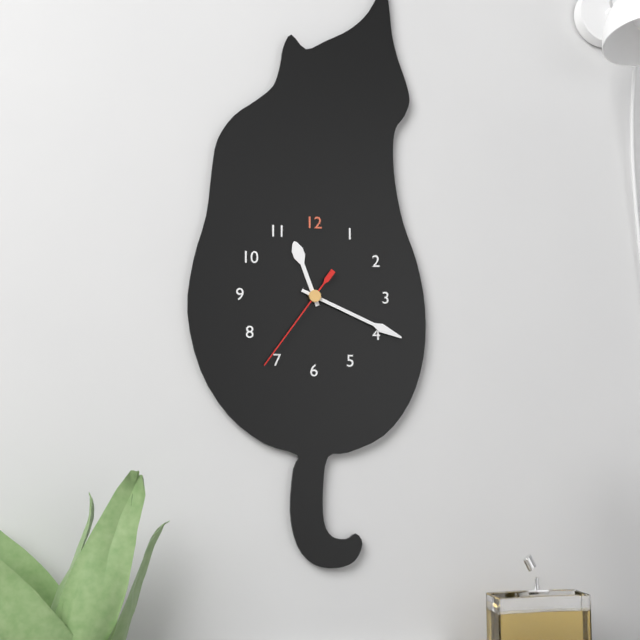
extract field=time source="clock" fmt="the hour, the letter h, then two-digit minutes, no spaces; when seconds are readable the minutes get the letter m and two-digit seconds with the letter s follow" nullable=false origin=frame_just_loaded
11h19m36s
